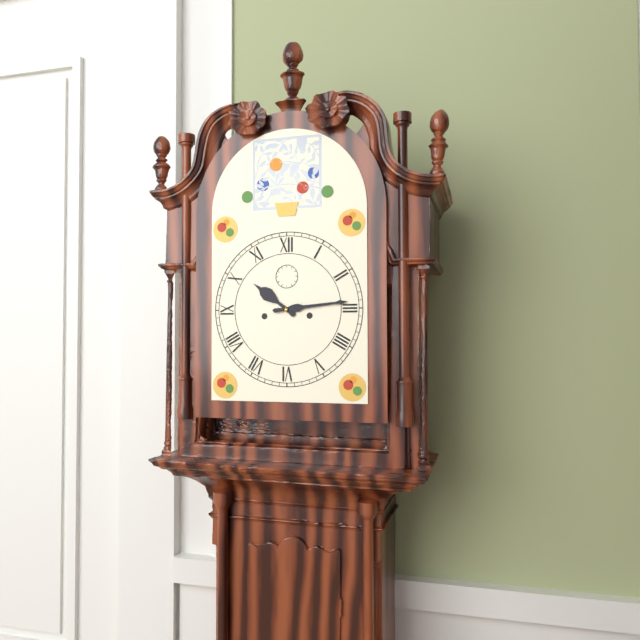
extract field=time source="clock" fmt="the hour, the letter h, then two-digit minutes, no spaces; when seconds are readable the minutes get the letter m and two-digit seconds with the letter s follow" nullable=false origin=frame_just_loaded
10h14
